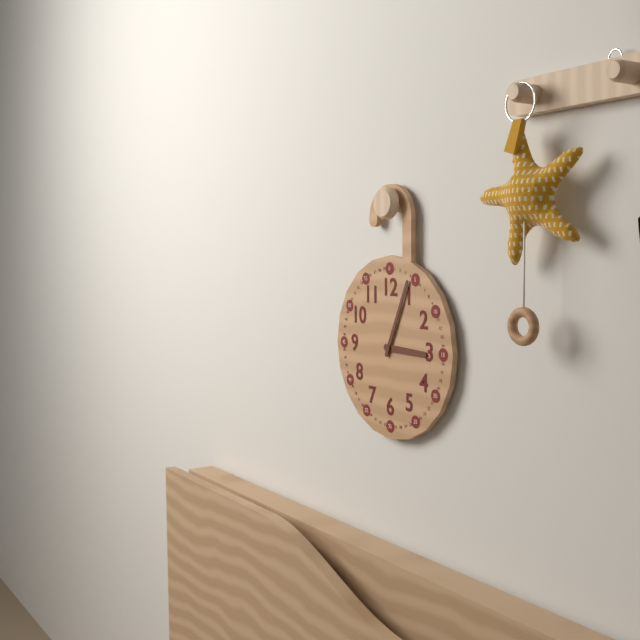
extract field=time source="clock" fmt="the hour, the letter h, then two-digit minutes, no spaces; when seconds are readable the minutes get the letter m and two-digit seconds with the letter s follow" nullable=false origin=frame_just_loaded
3h04
